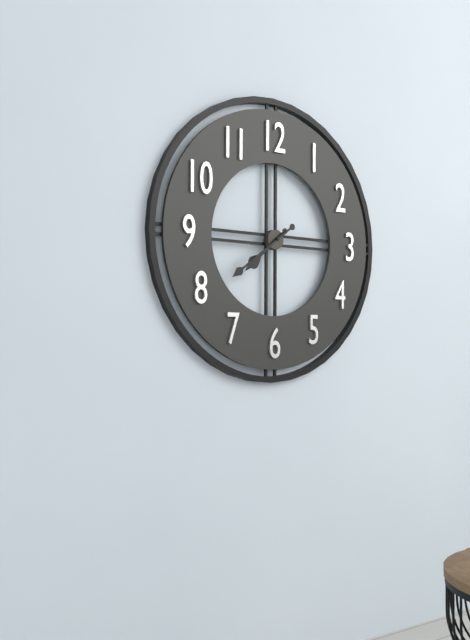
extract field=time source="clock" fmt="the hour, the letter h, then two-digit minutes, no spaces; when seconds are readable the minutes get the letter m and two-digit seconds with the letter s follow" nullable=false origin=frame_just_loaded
7h39
